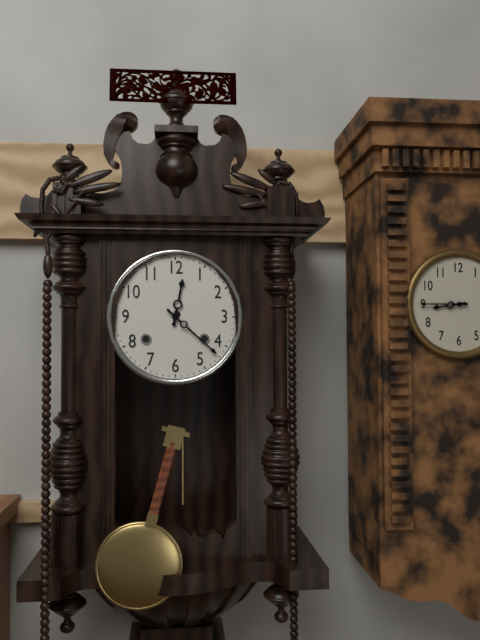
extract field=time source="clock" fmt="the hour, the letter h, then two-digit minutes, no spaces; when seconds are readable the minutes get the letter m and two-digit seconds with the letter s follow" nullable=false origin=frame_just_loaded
12h22
